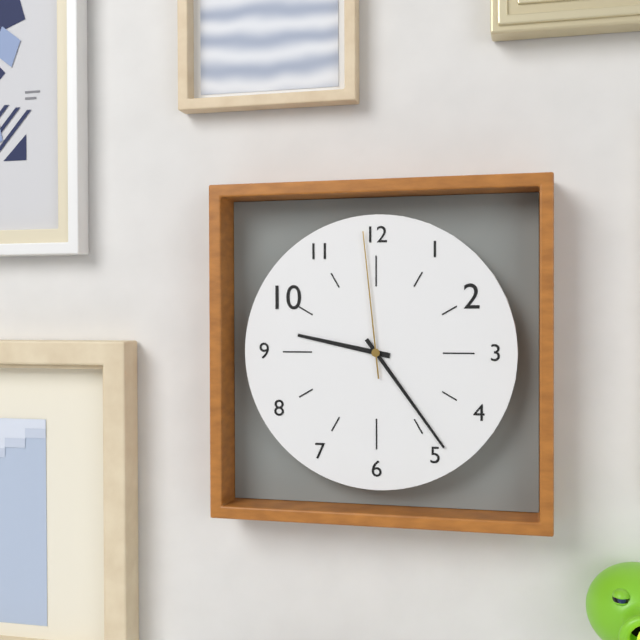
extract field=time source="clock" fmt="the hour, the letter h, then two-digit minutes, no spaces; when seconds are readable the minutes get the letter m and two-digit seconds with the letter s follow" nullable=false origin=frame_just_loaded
9h24m59s
